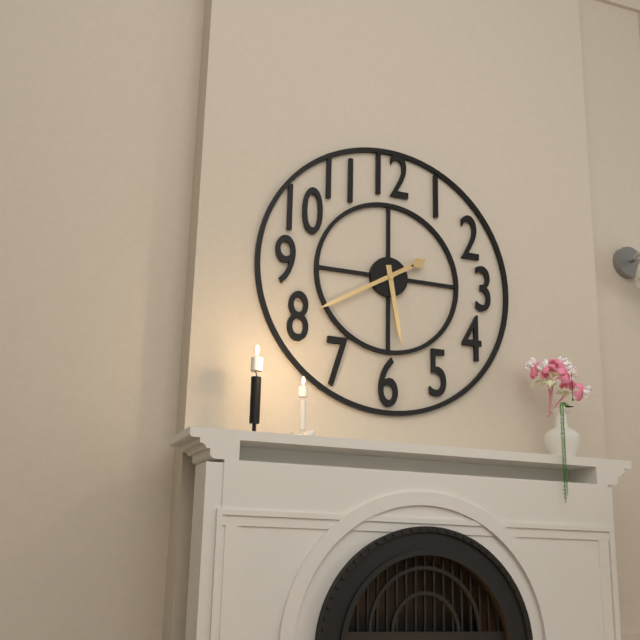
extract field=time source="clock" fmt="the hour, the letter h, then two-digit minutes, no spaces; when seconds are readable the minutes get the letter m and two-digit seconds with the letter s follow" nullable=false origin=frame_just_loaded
5h40
